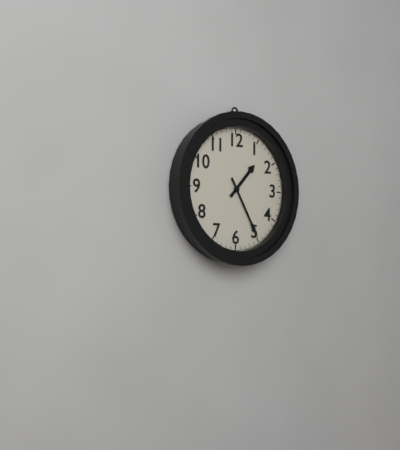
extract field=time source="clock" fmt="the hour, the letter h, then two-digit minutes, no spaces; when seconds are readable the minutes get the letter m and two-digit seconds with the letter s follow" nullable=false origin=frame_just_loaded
1h25
